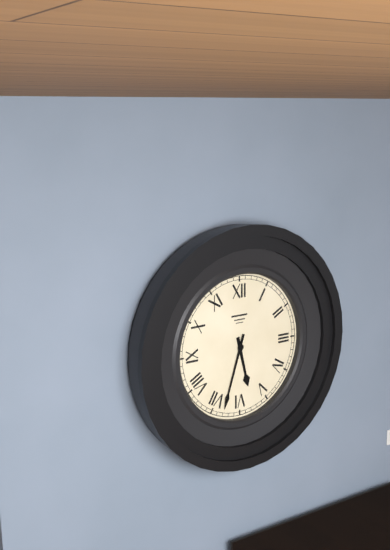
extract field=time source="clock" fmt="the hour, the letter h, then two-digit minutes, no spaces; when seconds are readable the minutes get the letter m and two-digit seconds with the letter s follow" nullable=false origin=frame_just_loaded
5h33
